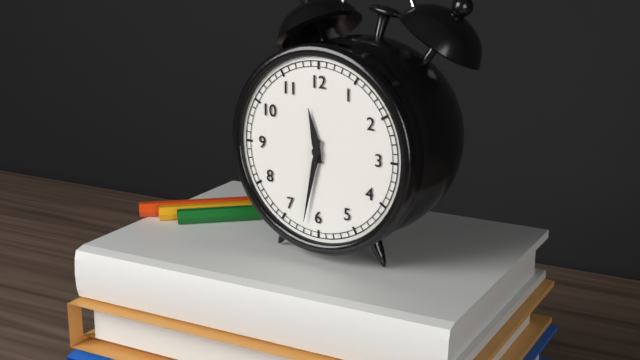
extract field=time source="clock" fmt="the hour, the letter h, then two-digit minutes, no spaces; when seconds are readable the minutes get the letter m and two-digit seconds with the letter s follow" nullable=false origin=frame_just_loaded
11h32
